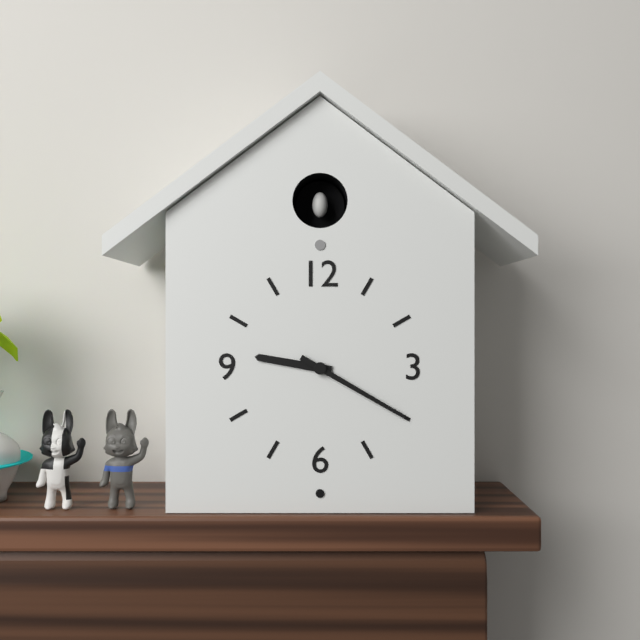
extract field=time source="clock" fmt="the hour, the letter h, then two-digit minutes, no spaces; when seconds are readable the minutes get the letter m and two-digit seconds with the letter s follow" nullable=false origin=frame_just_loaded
9h20
